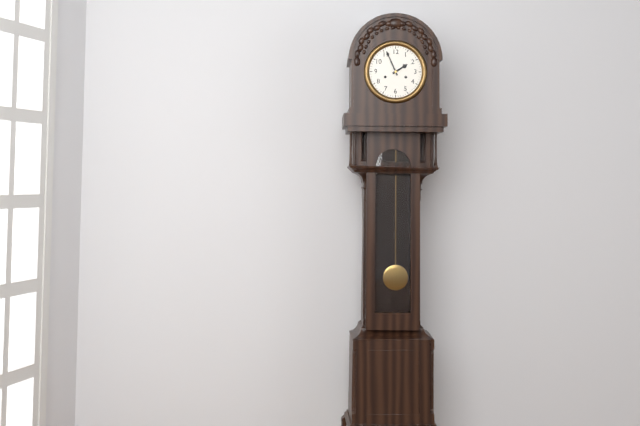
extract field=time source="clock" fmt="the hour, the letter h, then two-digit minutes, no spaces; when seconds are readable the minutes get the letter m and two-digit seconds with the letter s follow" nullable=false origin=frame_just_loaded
1h56
